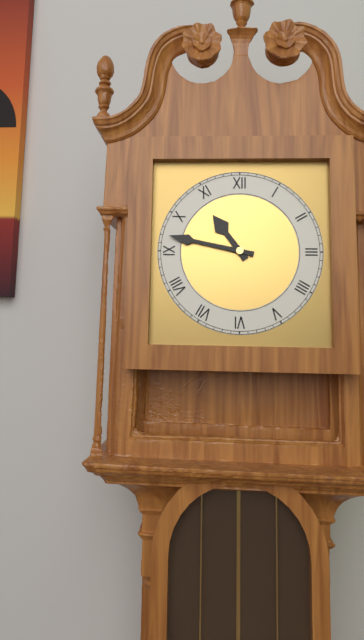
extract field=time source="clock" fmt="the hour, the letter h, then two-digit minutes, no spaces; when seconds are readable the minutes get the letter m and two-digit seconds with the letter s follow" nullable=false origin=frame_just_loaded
10h47
